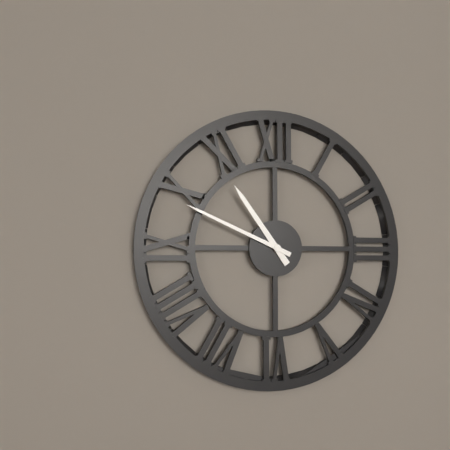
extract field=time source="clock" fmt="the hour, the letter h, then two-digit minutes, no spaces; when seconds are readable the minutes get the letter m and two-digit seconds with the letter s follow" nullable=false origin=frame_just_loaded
10h49
